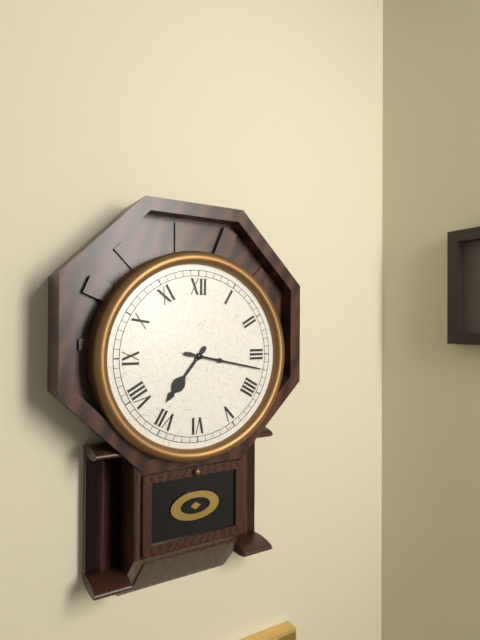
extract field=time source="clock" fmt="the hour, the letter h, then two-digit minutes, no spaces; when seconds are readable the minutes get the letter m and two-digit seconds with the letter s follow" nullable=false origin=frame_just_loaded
7h17
